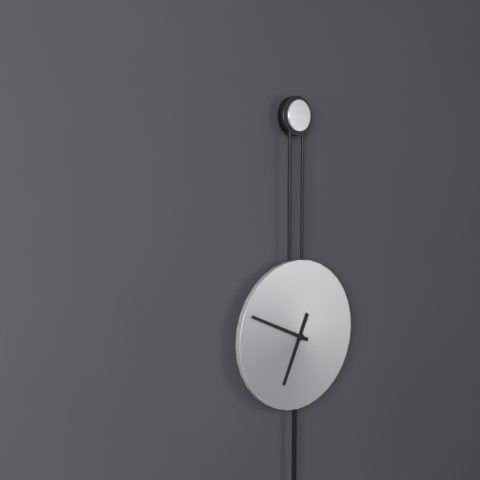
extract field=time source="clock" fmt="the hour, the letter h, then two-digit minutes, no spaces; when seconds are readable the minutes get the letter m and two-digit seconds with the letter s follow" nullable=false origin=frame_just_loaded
6h49
